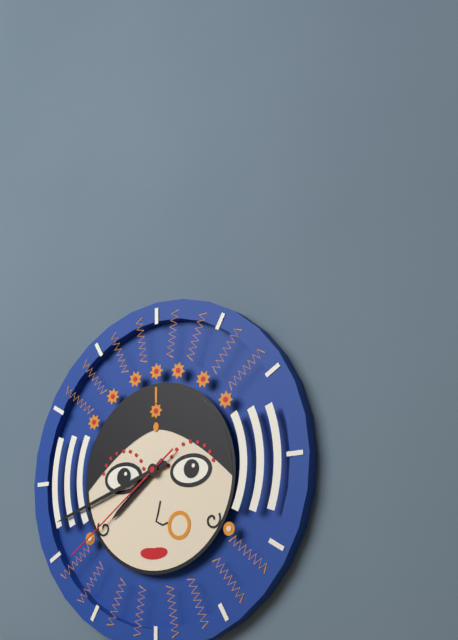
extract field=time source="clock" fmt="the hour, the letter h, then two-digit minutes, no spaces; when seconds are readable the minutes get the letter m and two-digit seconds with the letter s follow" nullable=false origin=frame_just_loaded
7h42m39s
